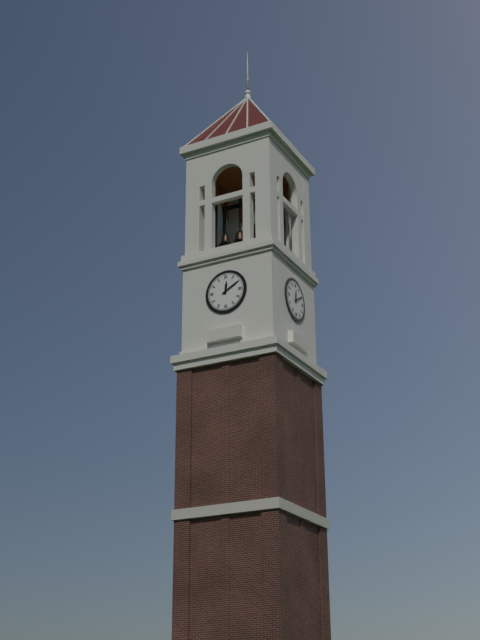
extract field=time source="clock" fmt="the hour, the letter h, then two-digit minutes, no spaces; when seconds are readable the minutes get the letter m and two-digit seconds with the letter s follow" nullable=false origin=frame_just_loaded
12h10
